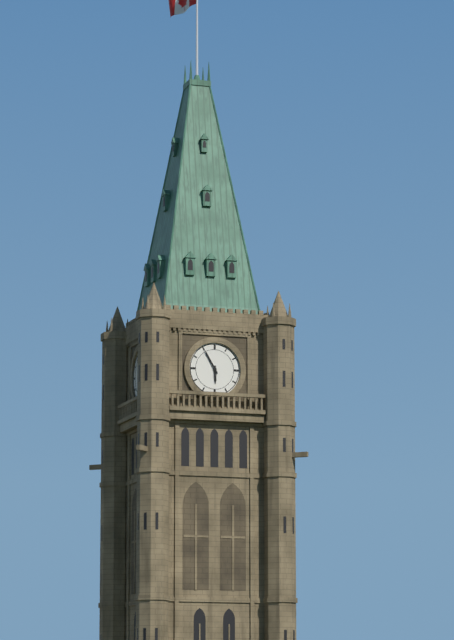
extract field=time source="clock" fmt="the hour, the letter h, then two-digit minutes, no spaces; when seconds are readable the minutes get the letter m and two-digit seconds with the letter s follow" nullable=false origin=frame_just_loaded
5h55
